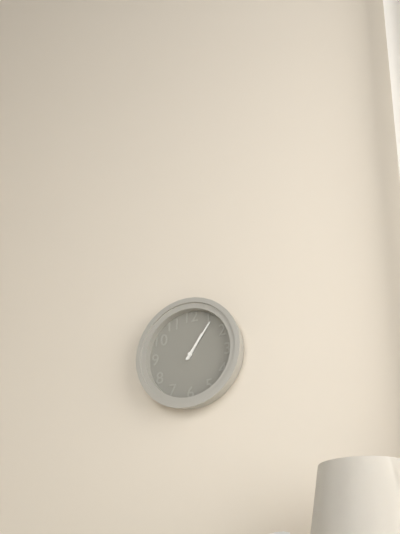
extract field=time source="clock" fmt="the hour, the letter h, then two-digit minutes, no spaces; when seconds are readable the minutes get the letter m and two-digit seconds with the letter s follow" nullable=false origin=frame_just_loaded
1h06
